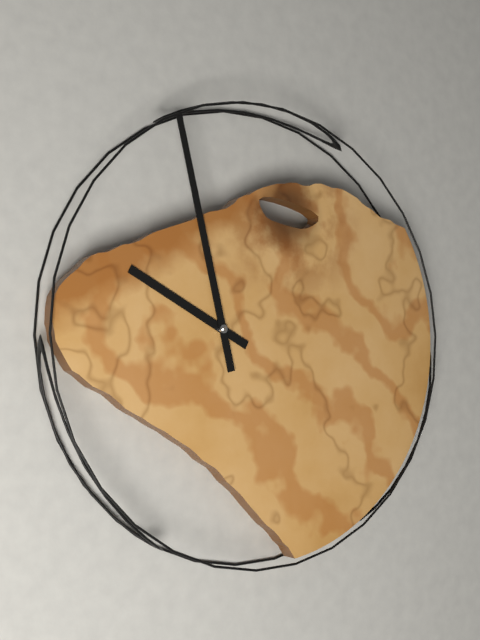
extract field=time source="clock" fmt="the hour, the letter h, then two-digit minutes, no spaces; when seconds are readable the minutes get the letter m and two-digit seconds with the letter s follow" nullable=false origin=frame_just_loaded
9h58
